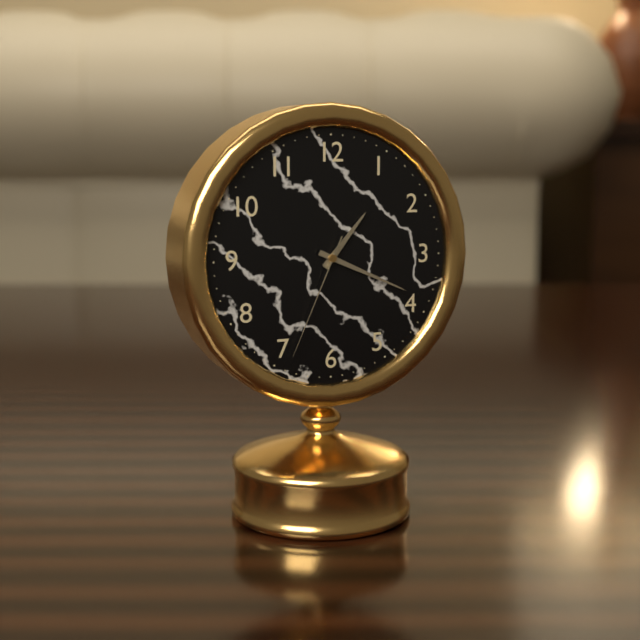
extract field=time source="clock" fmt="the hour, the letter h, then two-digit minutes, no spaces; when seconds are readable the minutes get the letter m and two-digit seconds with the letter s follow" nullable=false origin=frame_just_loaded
1h19m34s
